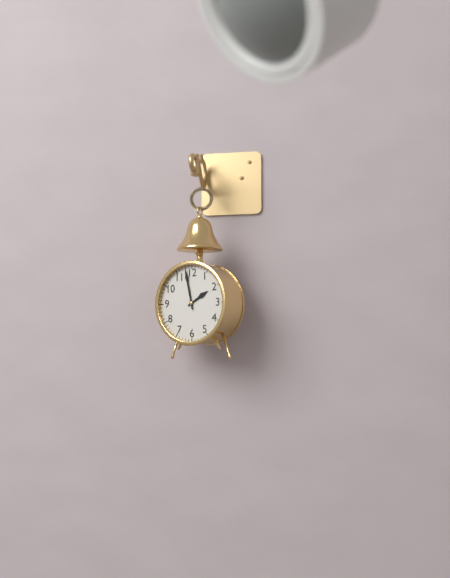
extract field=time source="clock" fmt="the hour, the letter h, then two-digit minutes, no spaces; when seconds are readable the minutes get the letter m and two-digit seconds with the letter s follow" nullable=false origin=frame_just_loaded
1h58
